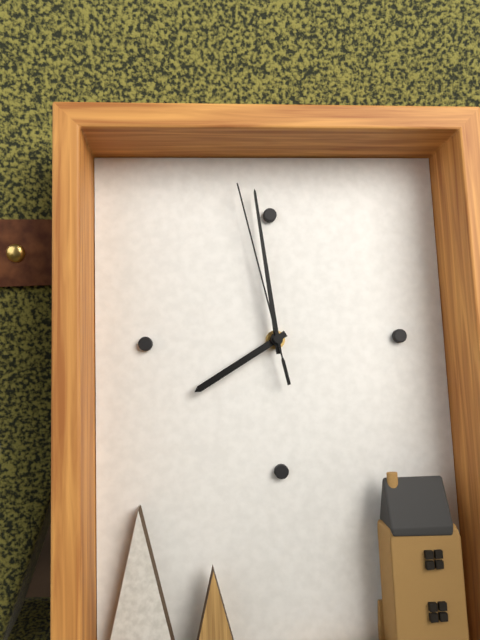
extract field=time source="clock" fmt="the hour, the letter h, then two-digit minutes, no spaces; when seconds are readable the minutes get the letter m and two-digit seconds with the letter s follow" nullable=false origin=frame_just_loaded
7h59m58s
